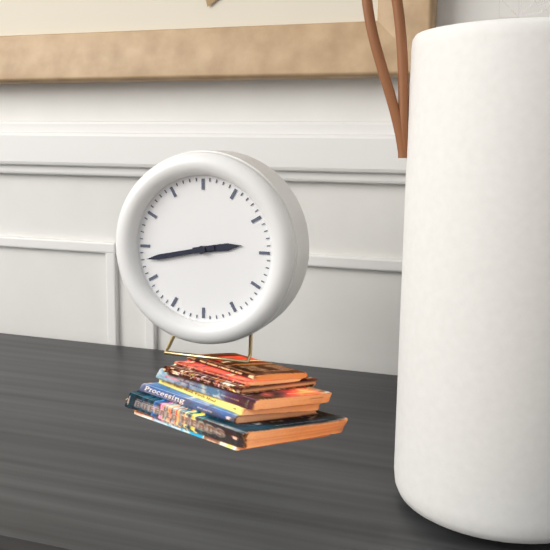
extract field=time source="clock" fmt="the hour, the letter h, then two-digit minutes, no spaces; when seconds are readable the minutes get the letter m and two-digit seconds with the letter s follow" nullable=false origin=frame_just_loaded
2h43
